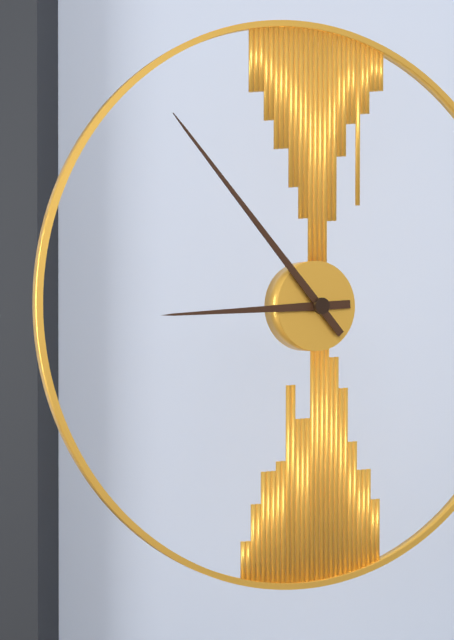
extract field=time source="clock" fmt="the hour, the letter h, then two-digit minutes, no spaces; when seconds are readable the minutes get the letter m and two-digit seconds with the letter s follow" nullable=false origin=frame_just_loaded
8h53
